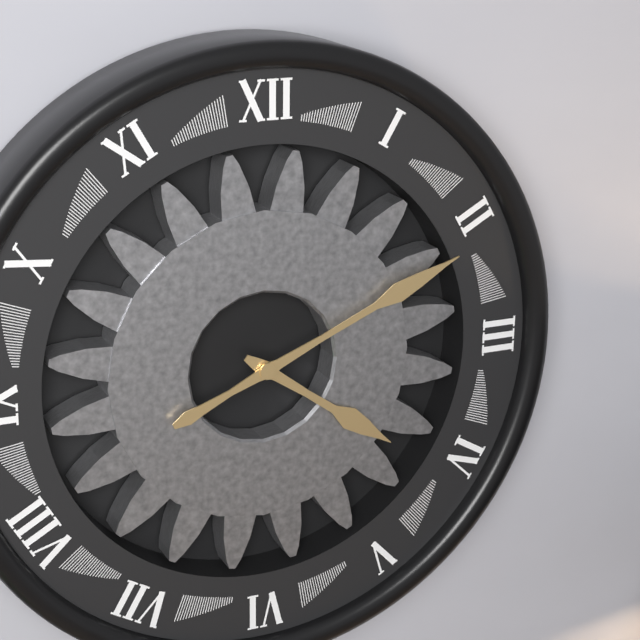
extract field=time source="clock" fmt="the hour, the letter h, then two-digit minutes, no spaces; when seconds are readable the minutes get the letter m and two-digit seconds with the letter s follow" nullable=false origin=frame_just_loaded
4h11
